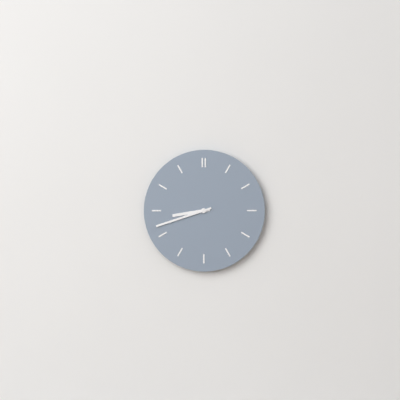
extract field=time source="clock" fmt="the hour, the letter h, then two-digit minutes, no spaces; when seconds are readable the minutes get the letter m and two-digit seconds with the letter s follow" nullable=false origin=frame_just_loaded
8h42
